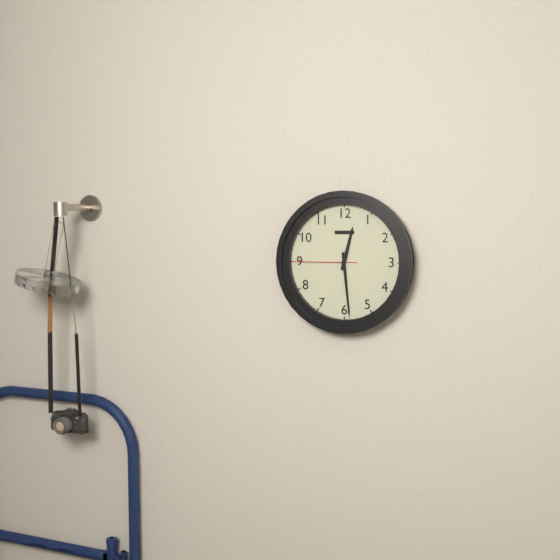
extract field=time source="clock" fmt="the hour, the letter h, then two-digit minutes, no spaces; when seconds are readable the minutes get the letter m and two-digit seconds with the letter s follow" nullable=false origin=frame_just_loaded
12h29m45s
